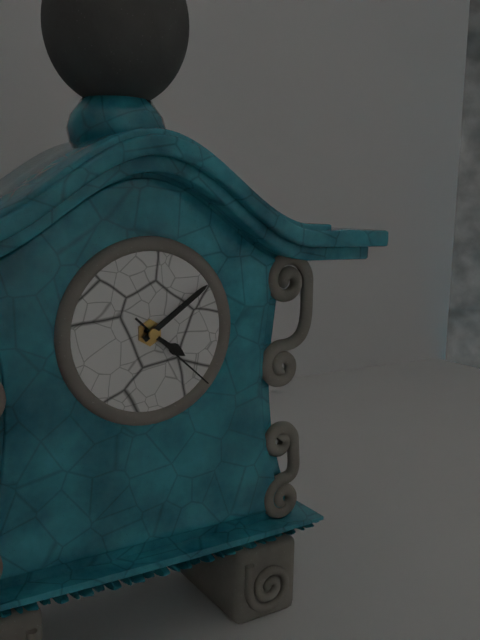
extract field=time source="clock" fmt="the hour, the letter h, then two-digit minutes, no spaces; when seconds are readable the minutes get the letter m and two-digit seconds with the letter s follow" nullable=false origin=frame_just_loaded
4h09m22s
